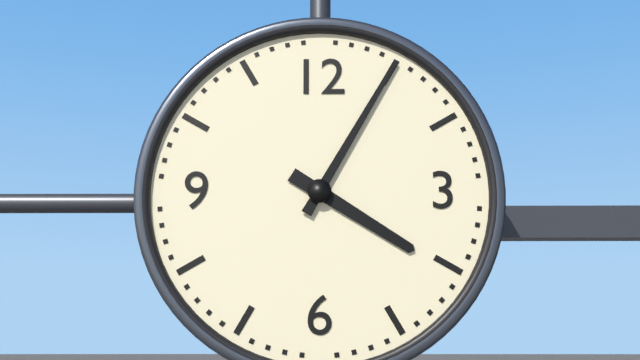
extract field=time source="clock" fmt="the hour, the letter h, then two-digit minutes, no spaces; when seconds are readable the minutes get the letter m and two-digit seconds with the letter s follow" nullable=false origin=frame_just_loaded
4h05
